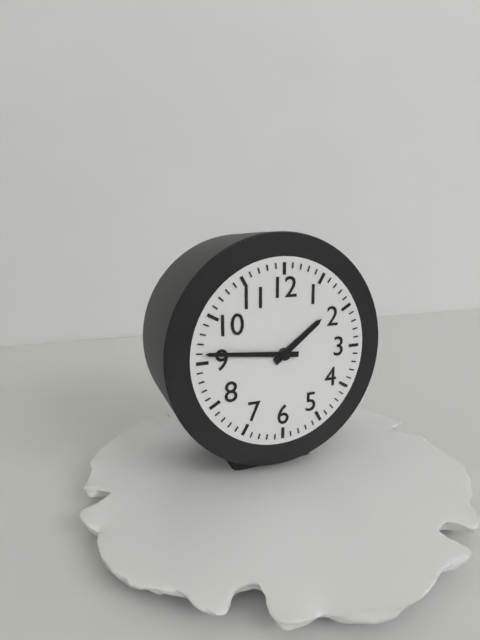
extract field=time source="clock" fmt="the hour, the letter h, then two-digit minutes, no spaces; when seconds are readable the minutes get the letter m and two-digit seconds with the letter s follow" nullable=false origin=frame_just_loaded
1h46
